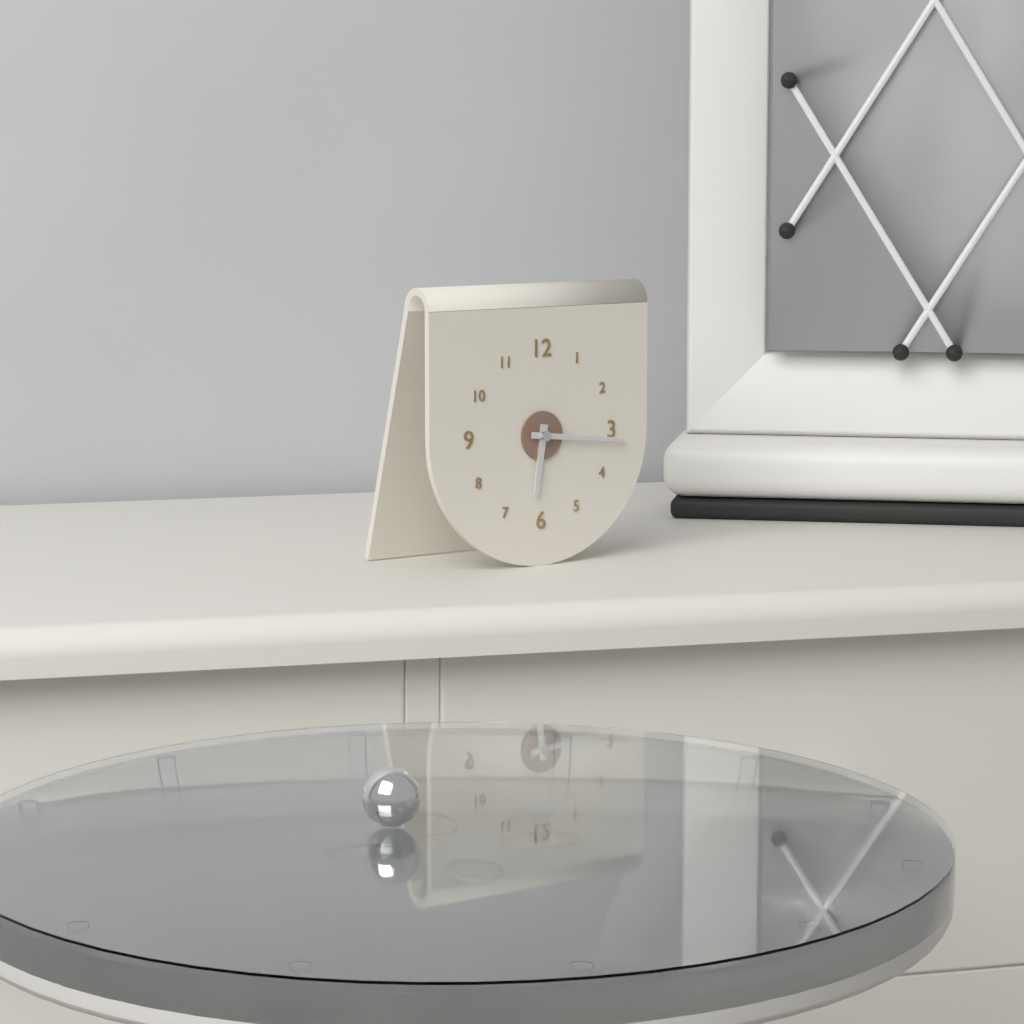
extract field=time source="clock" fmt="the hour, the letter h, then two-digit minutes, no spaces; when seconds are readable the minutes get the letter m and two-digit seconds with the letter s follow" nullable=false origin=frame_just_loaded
6h16
